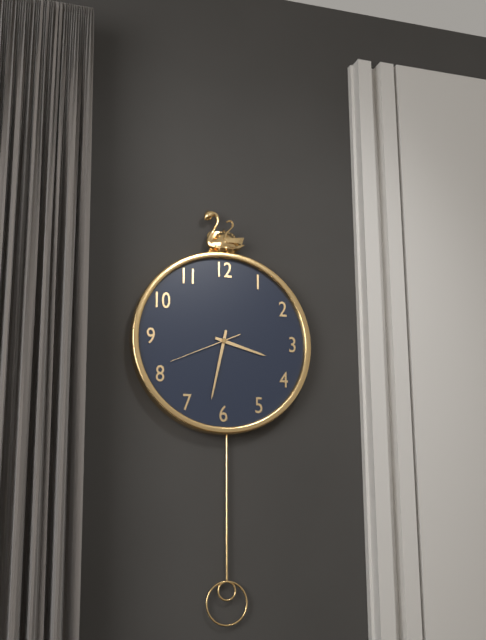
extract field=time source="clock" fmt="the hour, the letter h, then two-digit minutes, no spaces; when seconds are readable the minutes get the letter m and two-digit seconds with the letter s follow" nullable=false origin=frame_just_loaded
3h32m41s
